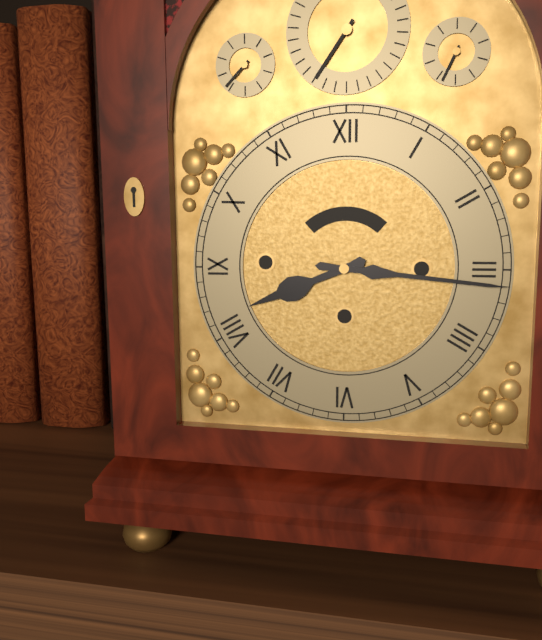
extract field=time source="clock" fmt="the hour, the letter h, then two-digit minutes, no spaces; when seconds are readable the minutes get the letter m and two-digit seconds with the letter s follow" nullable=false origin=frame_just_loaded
8h16
